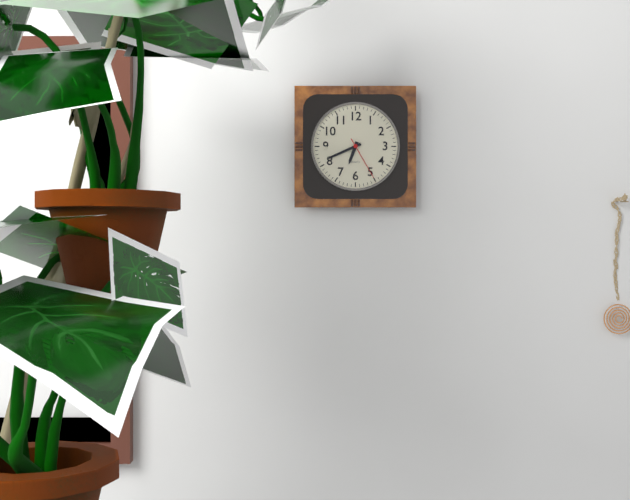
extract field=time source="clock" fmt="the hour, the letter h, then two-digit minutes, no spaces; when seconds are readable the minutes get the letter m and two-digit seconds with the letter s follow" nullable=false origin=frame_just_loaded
6h41
